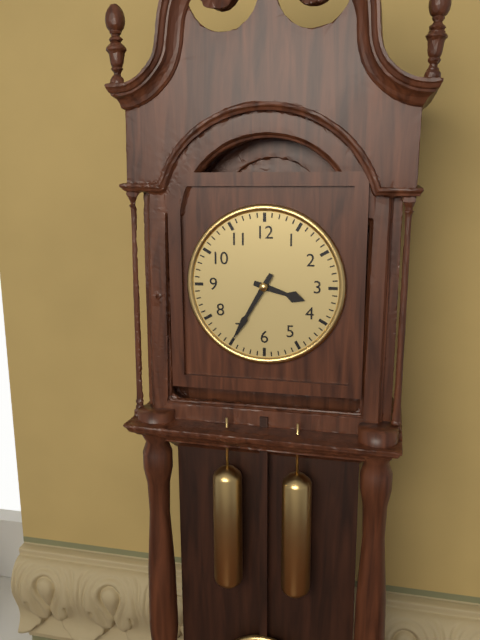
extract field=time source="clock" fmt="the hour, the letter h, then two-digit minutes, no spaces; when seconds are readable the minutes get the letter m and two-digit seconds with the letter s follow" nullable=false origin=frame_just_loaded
3h35
